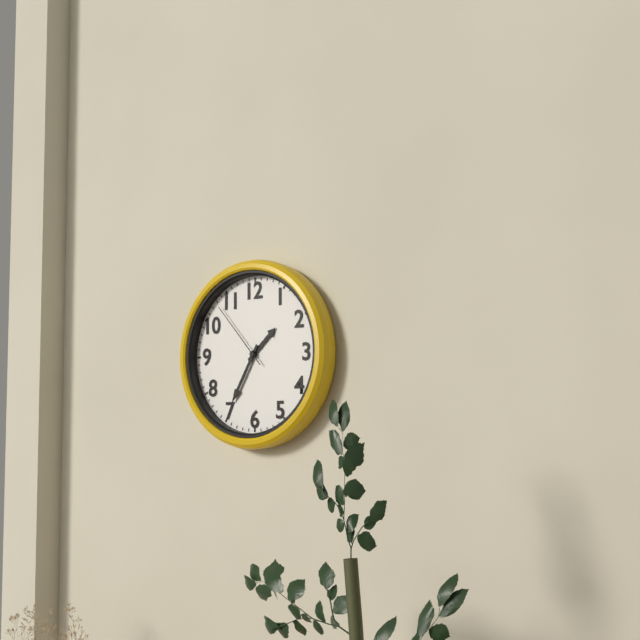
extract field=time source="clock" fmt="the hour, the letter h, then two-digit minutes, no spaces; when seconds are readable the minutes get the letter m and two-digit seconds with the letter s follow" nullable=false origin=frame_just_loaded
1h35m53s
